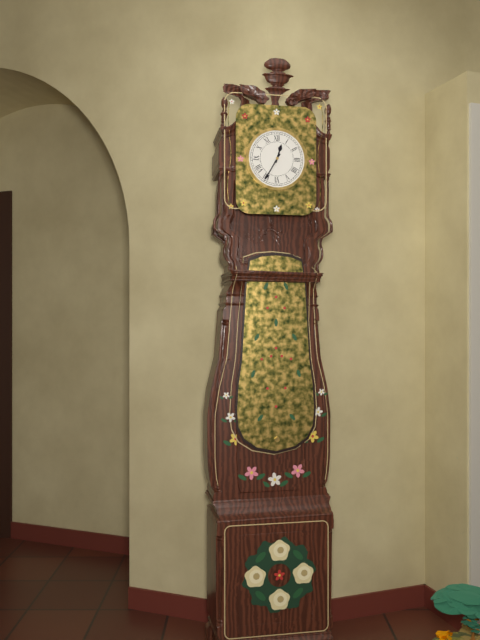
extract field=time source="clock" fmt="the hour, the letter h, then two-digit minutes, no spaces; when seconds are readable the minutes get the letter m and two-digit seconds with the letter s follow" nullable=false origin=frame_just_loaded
12h35
